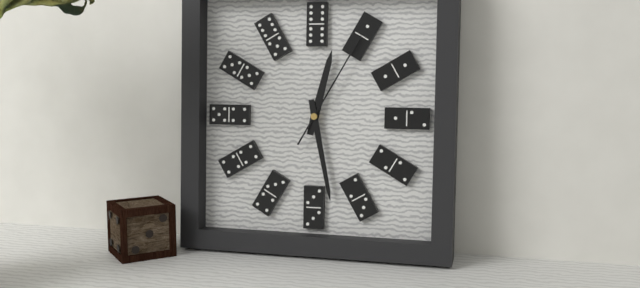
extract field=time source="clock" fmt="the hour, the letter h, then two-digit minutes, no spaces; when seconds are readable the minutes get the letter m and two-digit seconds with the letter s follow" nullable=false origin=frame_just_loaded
12h28m05s
